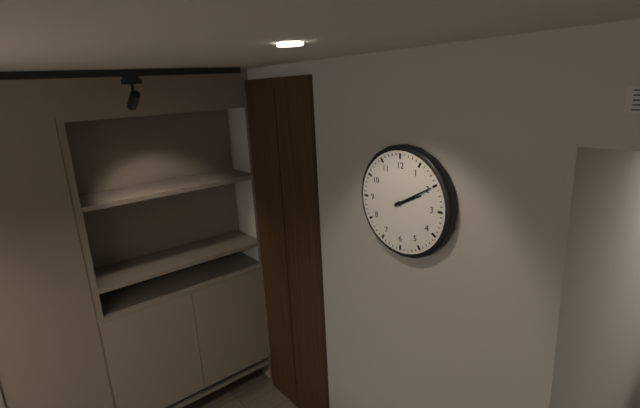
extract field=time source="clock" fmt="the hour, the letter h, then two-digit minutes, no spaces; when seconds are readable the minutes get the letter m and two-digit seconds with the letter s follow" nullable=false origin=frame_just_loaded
2h10
